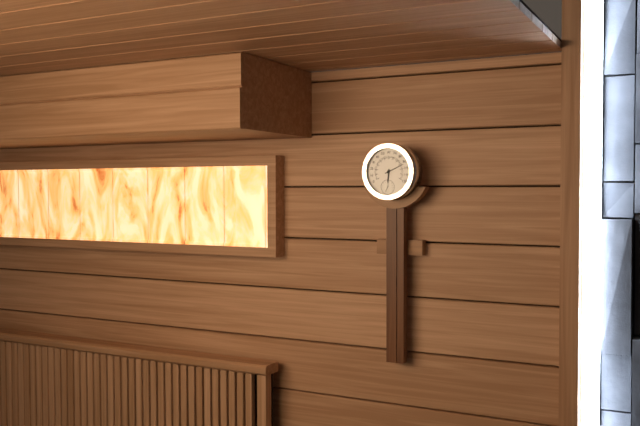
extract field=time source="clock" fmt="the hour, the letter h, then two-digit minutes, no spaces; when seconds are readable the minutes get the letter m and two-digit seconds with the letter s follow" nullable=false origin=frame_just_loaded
6h11
